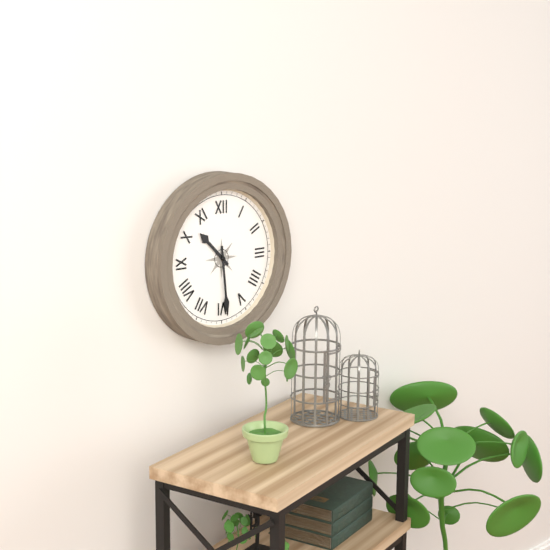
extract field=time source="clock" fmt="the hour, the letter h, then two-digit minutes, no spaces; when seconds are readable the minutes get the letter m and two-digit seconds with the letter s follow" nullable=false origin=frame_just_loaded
10h29
